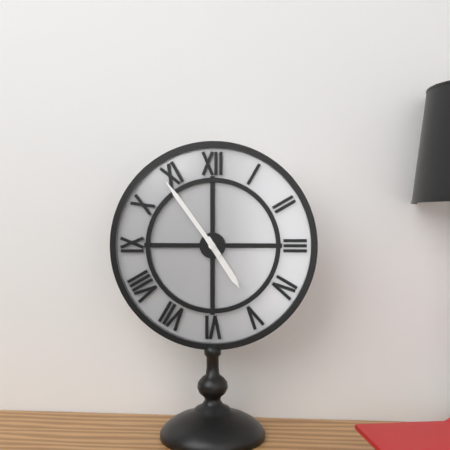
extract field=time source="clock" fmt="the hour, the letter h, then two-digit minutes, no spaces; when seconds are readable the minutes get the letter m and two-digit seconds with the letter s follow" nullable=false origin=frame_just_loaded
4h54
